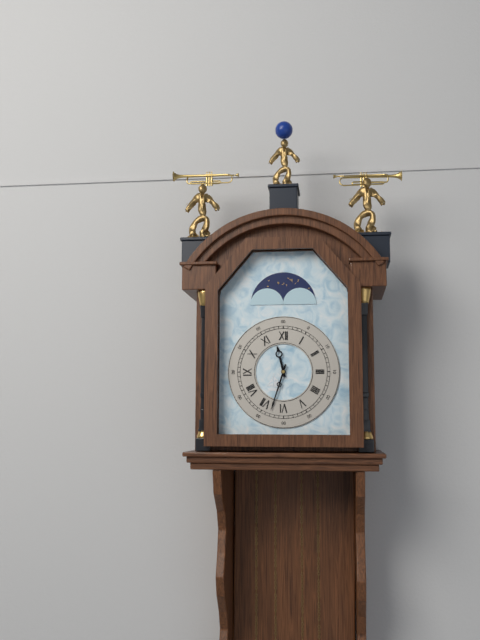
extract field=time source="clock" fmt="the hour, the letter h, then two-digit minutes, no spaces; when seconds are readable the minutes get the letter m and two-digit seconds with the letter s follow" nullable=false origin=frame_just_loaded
11h33
